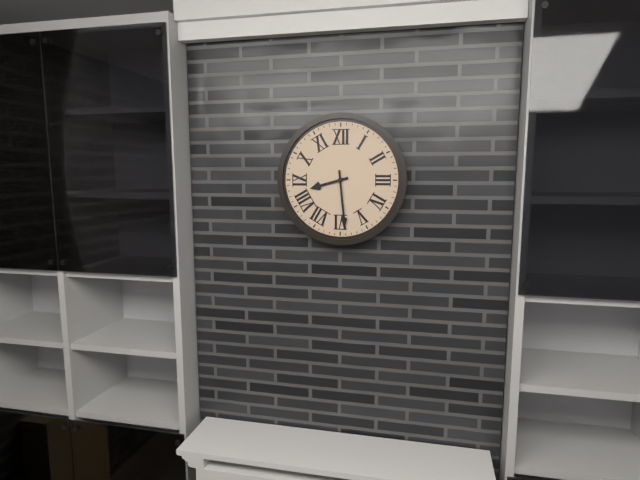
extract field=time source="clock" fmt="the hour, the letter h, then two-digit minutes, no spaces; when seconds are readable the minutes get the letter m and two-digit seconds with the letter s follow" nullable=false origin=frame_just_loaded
8h29
